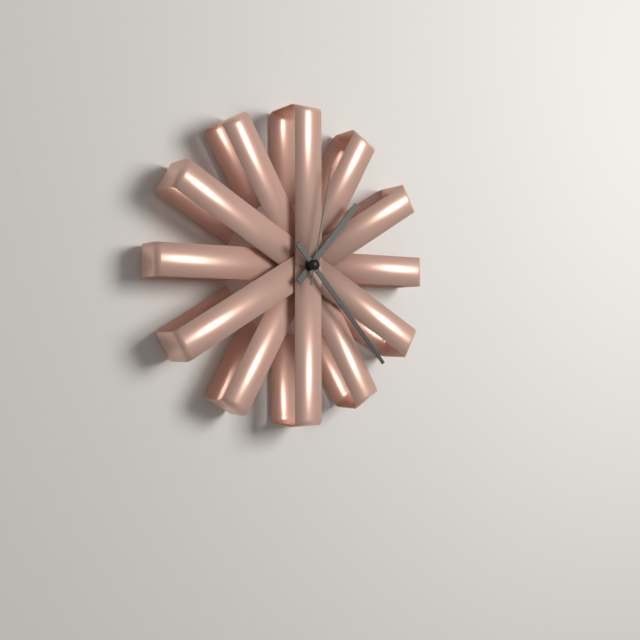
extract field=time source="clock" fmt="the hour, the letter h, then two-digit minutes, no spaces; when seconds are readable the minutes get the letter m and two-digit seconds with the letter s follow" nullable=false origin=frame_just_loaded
1h23m02s
